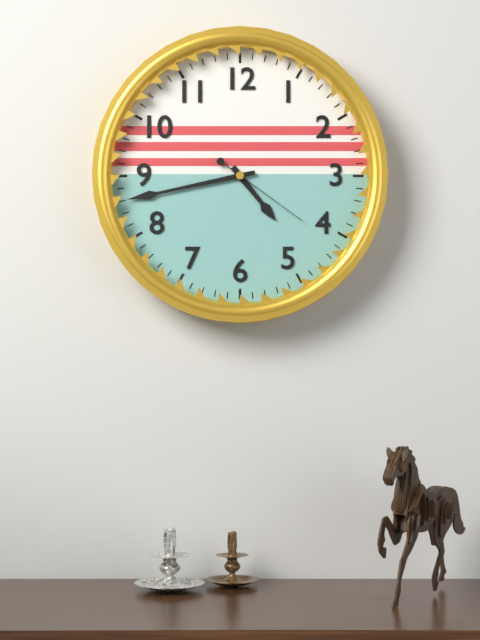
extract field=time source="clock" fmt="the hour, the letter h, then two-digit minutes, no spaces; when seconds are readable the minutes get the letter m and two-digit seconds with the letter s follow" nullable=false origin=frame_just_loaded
4h43m21s
